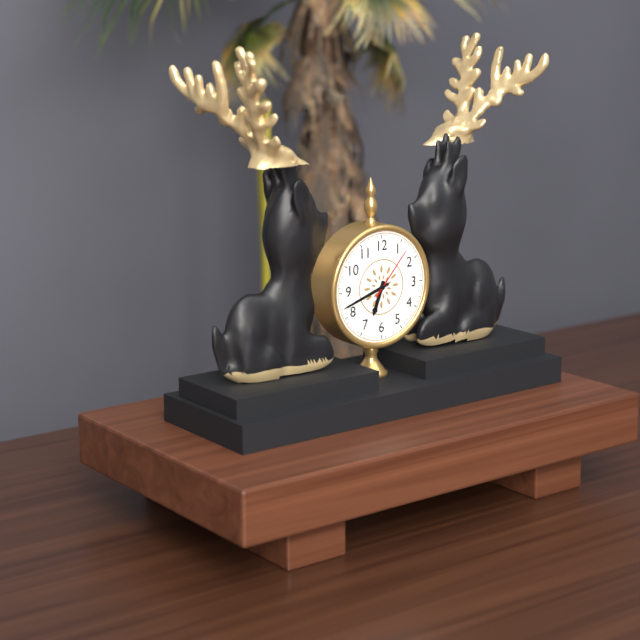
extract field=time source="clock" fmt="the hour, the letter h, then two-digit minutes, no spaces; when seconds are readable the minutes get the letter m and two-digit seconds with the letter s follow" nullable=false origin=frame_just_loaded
6h42m07s
